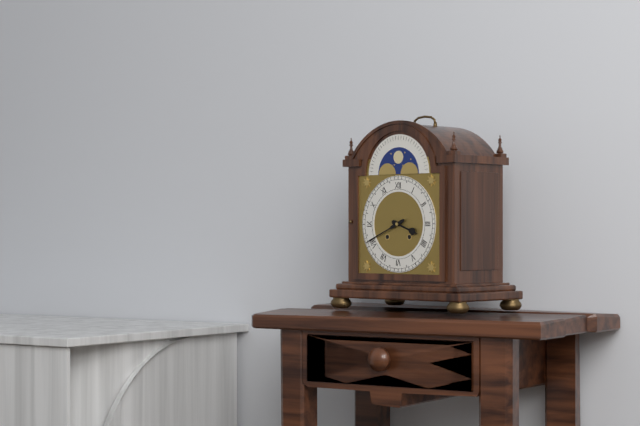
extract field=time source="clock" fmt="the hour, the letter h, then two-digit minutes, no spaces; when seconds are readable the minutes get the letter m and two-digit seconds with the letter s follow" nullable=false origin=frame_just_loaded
3h41
